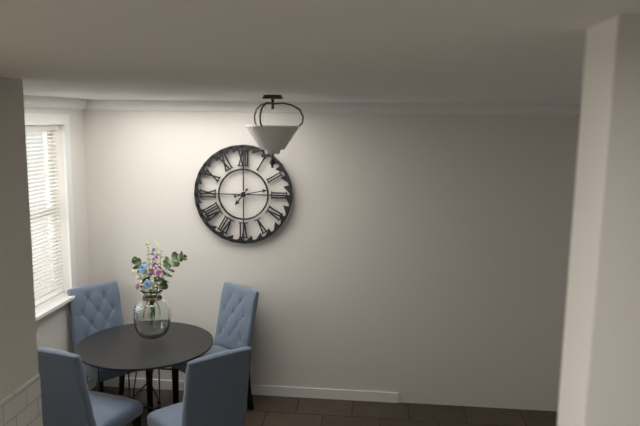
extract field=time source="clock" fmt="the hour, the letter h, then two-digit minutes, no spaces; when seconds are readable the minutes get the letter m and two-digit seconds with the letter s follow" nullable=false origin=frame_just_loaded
7h13
